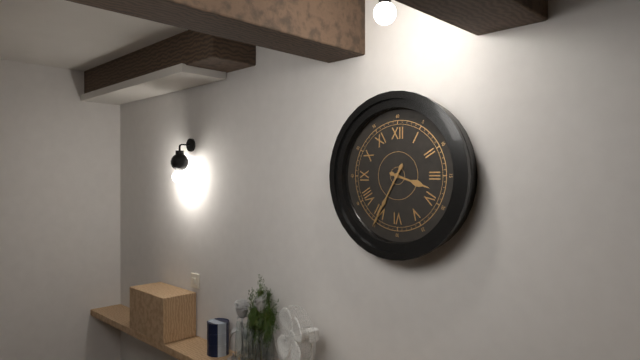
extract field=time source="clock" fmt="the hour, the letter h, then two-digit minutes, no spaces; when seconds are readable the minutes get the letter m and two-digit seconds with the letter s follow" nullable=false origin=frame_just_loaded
3h35
